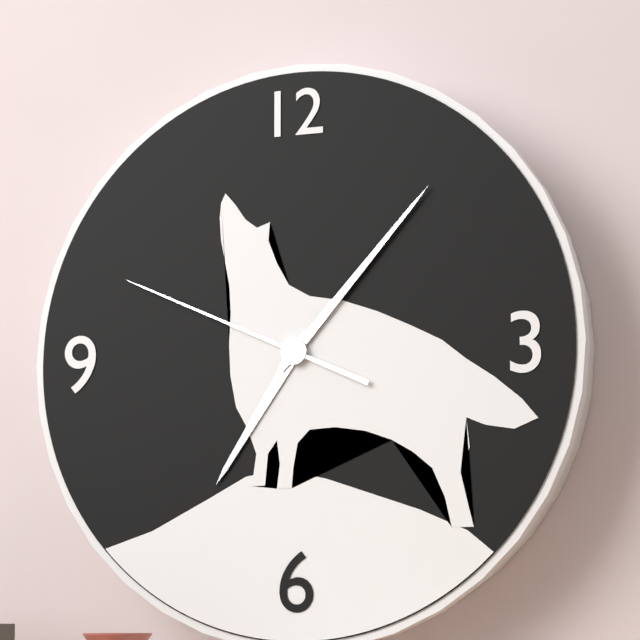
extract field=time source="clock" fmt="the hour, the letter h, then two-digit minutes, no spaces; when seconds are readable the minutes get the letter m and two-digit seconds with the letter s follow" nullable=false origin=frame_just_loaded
7h07m49s
